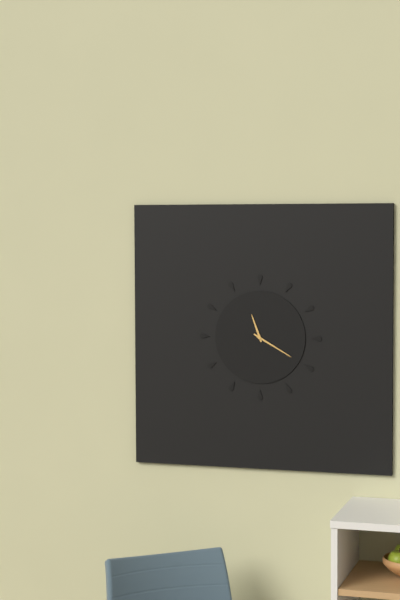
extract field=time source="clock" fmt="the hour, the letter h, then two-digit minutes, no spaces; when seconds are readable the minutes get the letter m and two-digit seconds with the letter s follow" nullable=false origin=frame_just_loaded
11h20
